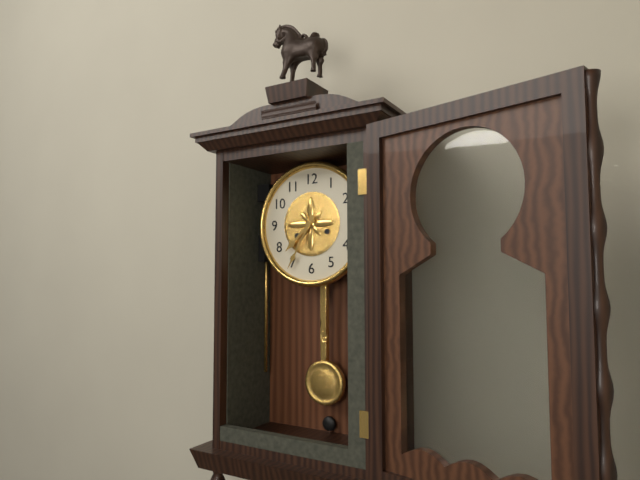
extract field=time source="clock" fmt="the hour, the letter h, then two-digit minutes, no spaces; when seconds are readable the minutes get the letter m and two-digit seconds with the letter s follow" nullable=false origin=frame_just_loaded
7h35
